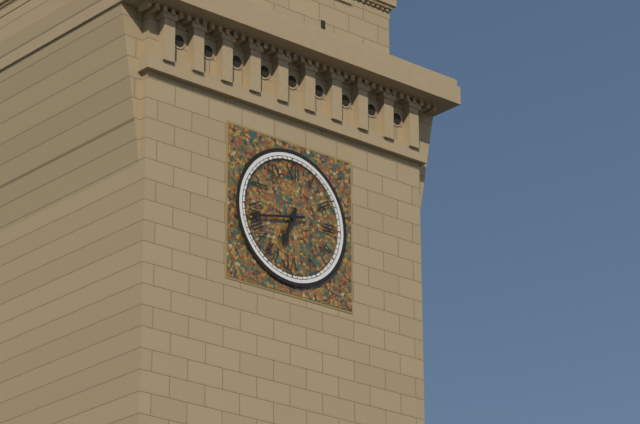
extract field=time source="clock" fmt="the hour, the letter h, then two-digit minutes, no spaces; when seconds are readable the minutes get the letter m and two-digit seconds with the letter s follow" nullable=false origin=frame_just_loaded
6h43
